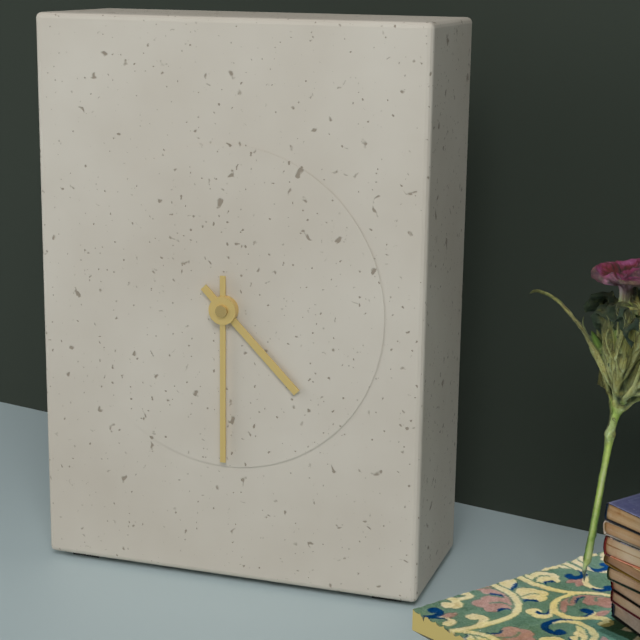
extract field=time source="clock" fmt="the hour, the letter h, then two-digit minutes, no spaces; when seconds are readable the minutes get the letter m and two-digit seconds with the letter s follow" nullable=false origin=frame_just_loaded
4h30
